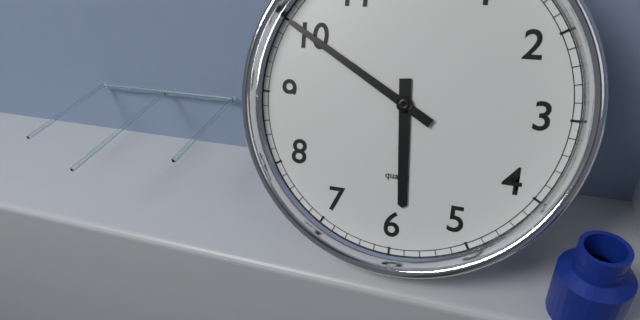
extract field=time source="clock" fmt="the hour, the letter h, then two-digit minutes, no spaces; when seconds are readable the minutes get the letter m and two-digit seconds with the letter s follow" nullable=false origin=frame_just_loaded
5h50
